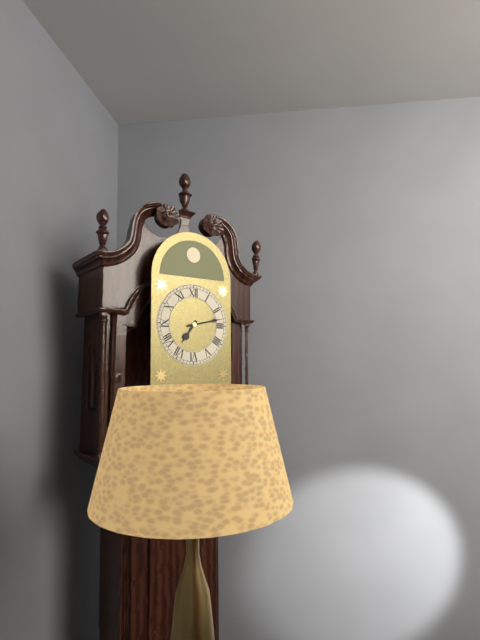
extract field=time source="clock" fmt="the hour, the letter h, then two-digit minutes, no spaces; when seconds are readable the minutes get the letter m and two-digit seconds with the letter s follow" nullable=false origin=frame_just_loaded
7h13
